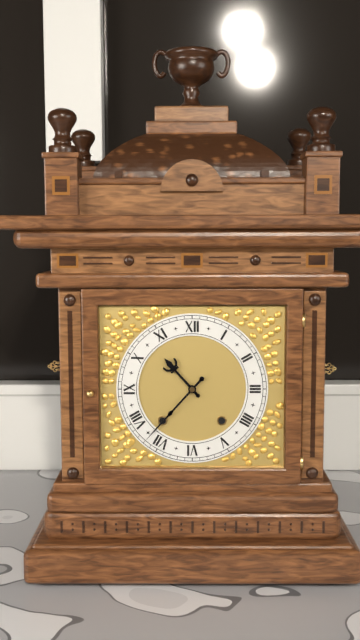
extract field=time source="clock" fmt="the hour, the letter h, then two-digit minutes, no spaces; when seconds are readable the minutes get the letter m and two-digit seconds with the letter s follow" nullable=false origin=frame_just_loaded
10h37
